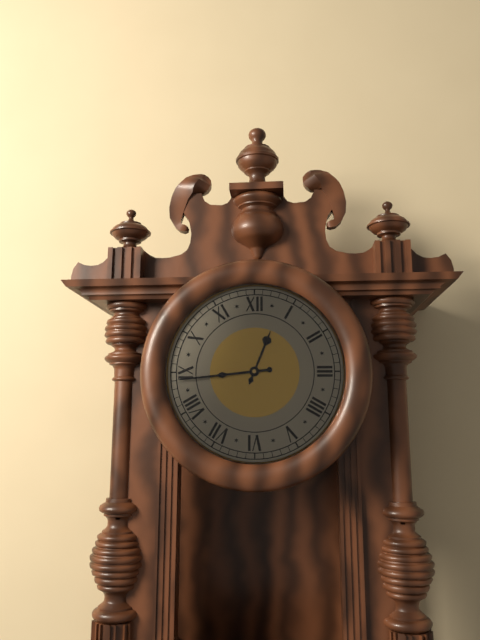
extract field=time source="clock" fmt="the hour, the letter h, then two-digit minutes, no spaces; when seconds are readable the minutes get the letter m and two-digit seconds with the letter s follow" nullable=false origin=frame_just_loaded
12h44
